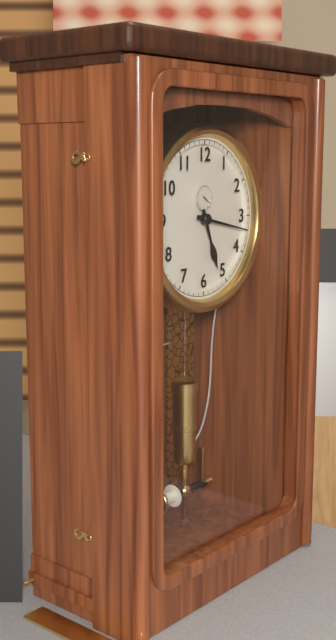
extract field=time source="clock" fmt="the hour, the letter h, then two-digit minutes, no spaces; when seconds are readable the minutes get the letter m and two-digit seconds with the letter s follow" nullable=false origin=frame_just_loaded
5h17
